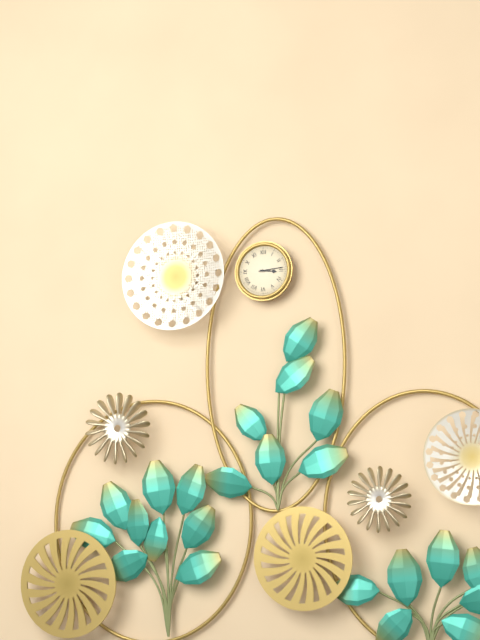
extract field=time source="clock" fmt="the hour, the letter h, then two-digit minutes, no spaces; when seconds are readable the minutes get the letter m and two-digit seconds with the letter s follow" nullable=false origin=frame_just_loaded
3h14
